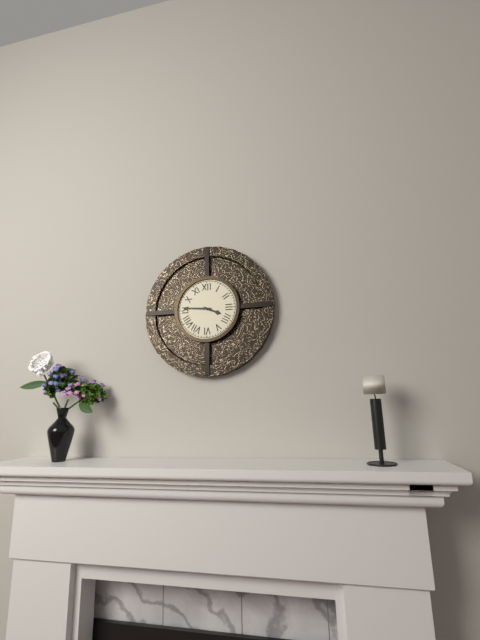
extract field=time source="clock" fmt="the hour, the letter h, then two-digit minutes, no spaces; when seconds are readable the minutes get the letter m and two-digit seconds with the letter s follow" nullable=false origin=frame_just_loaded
3h46
